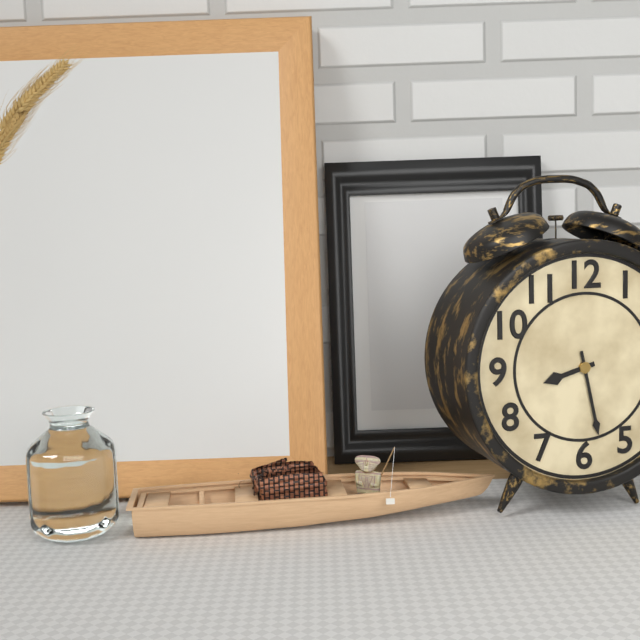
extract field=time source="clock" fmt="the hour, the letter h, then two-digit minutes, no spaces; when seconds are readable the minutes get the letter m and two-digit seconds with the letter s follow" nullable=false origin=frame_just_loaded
8h28
